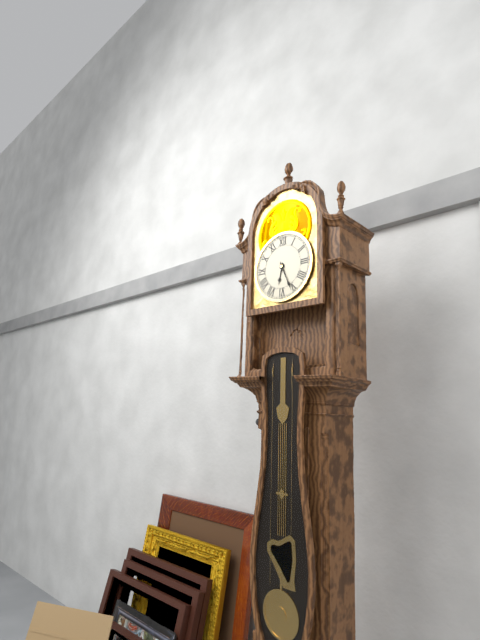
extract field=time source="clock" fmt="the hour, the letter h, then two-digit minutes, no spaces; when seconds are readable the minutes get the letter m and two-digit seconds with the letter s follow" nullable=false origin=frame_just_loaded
6h26
